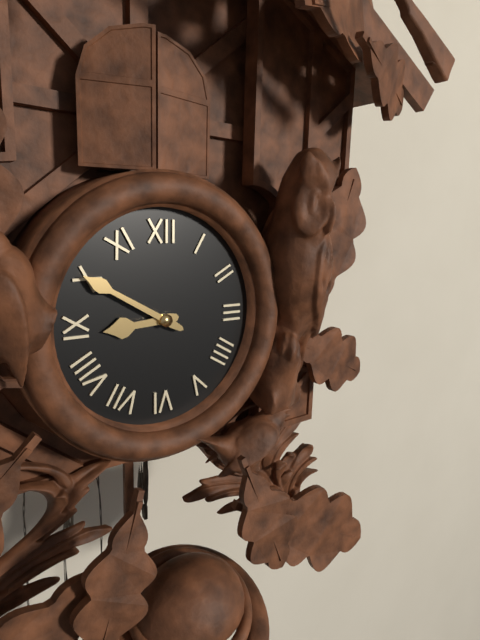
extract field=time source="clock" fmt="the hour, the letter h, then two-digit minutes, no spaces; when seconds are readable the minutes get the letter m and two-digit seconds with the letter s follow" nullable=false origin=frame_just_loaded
8h50
